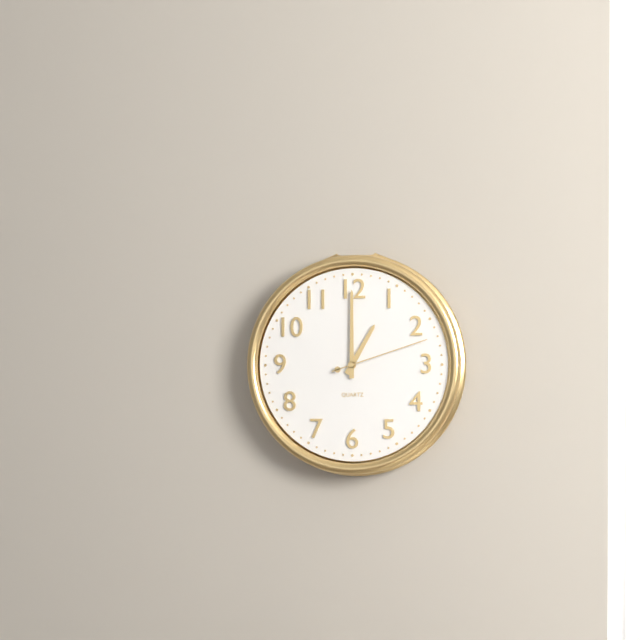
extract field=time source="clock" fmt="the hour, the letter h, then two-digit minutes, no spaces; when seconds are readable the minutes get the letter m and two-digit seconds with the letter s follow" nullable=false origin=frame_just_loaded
1h00m12s
